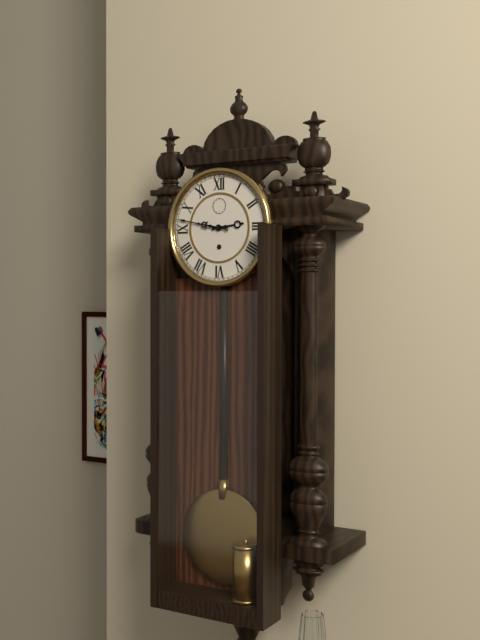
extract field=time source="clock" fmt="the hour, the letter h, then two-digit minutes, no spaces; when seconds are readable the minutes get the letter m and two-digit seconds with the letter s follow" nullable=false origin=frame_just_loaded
2h47
